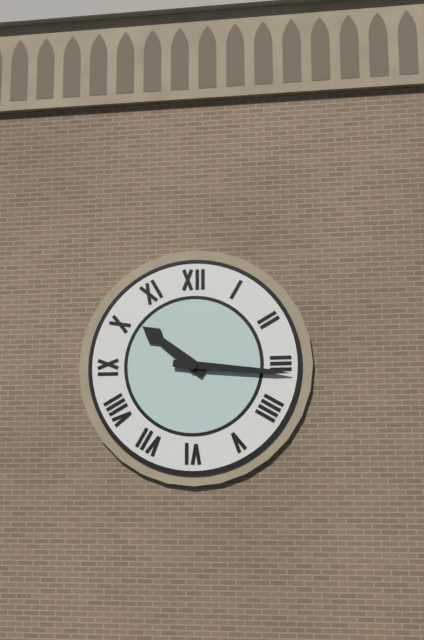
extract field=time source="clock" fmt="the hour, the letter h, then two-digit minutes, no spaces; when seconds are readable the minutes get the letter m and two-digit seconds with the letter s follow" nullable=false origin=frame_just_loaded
10h16
